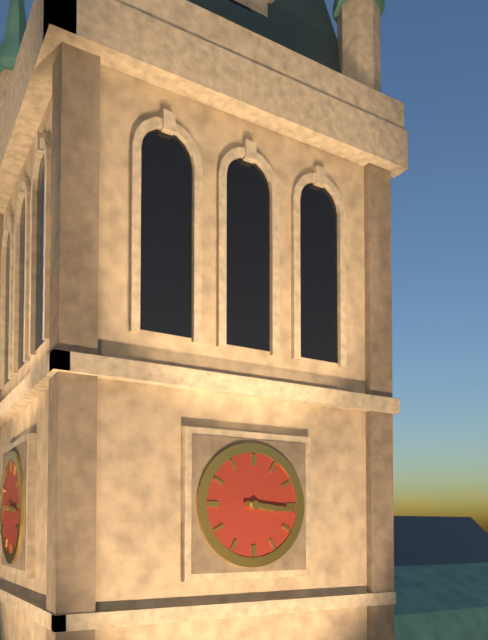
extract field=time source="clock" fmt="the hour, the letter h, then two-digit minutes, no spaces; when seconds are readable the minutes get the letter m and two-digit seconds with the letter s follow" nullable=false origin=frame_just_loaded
3h16
